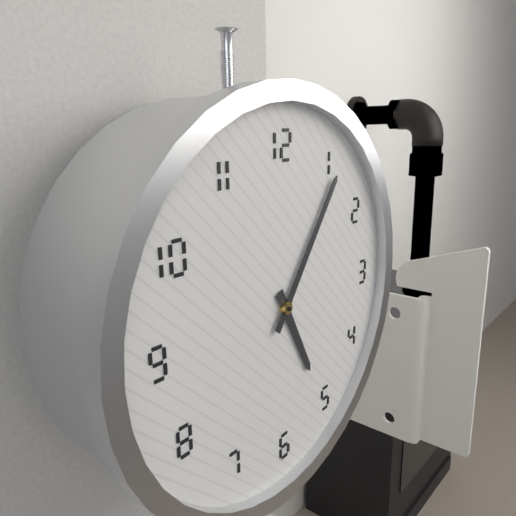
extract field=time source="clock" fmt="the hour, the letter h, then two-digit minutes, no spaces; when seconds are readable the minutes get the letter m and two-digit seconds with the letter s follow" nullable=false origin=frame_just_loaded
5h06
